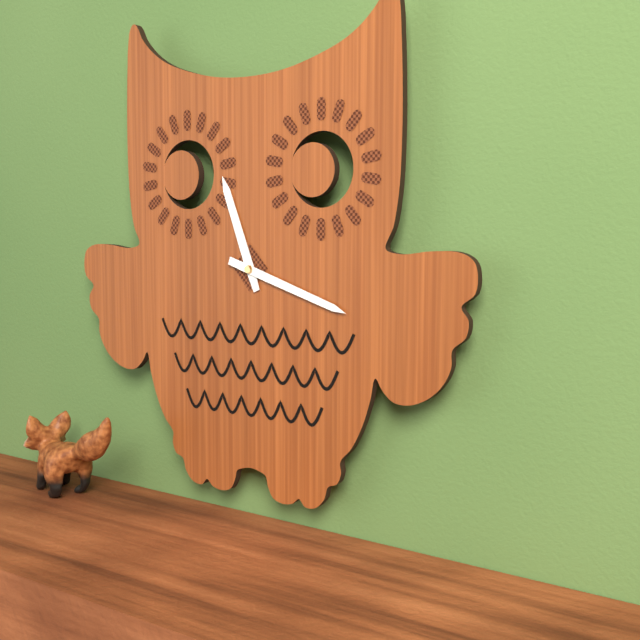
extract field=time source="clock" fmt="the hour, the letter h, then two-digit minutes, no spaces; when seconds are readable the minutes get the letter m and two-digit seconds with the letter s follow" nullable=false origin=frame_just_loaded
11h18
